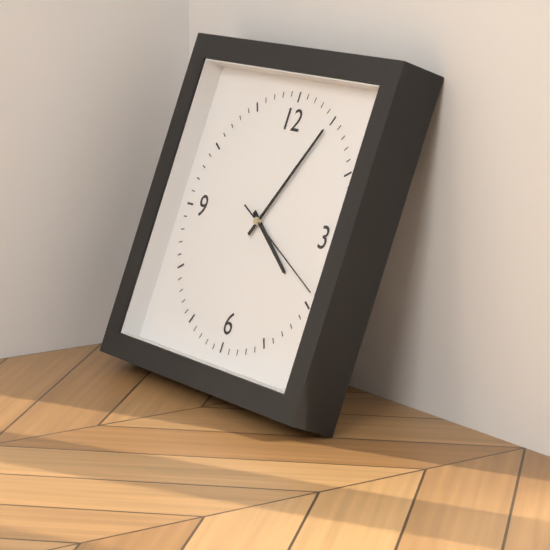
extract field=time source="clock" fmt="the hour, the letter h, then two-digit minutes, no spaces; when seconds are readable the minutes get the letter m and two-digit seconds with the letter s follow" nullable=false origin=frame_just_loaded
4h05m19s
